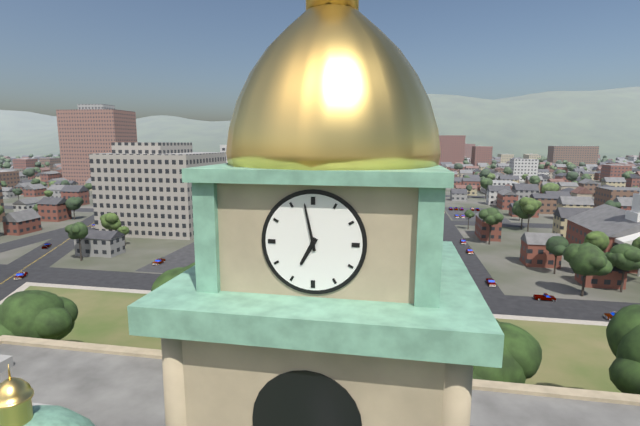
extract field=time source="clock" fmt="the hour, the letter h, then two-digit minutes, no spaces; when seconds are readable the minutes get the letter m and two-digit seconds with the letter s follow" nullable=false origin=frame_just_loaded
6h58
